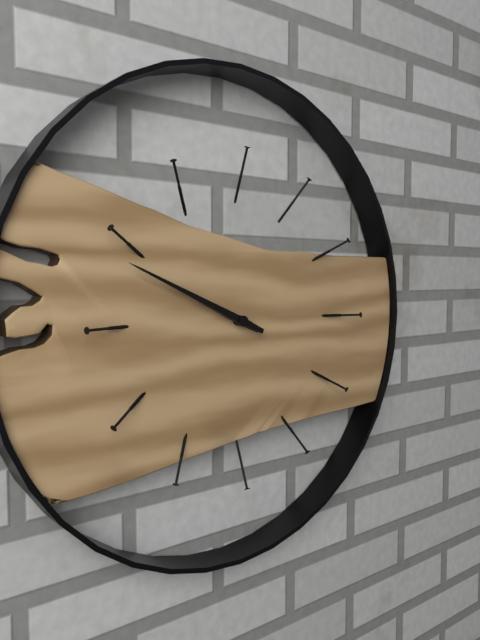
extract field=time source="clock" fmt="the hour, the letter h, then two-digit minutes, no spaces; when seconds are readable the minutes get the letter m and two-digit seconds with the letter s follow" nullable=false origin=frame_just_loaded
9h49
